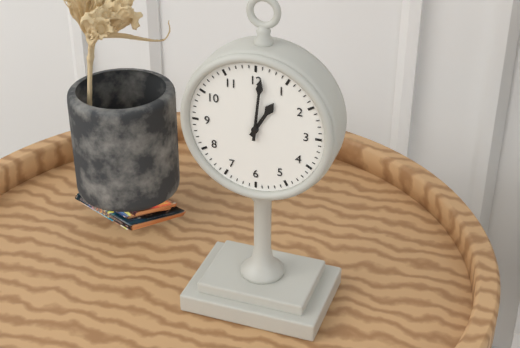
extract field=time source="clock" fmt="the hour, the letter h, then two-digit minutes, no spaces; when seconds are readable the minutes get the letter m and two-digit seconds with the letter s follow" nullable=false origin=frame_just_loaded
1h01
